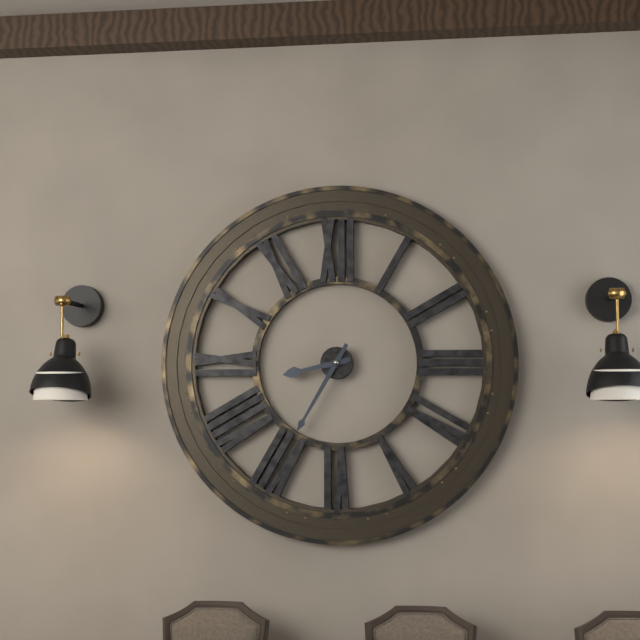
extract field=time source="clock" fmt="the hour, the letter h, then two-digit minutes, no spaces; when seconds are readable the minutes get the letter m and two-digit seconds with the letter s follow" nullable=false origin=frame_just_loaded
8h35
